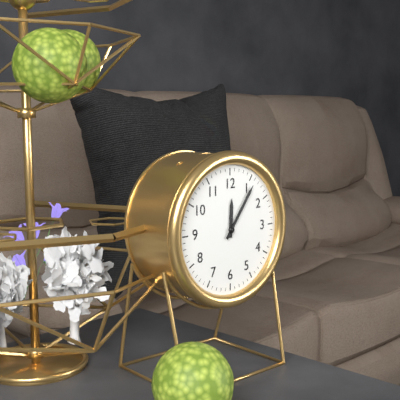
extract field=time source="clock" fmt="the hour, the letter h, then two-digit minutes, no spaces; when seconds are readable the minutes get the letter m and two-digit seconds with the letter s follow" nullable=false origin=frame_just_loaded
12h06
